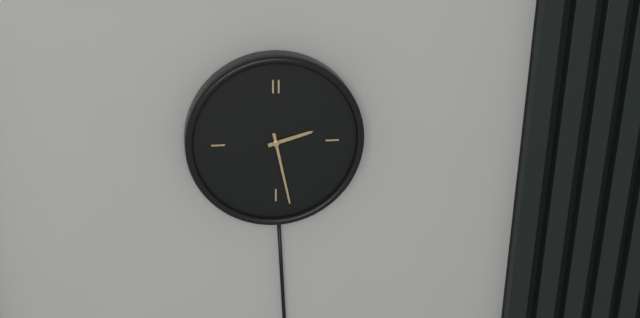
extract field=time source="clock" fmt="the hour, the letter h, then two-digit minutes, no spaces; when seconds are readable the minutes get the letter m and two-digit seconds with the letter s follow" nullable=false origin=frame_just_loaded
2h28
